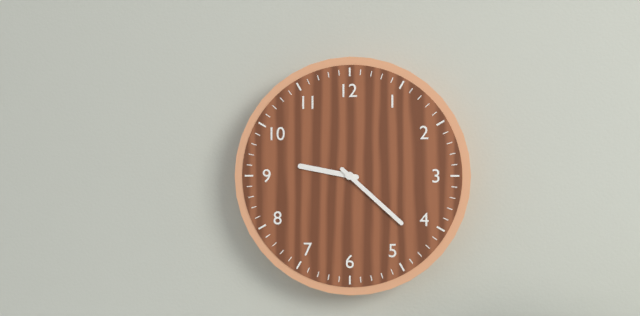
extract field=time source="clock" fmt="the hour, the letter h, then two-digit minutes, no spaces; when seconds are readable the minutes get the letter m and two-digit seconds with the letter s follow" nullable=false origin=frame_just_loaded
9h22
